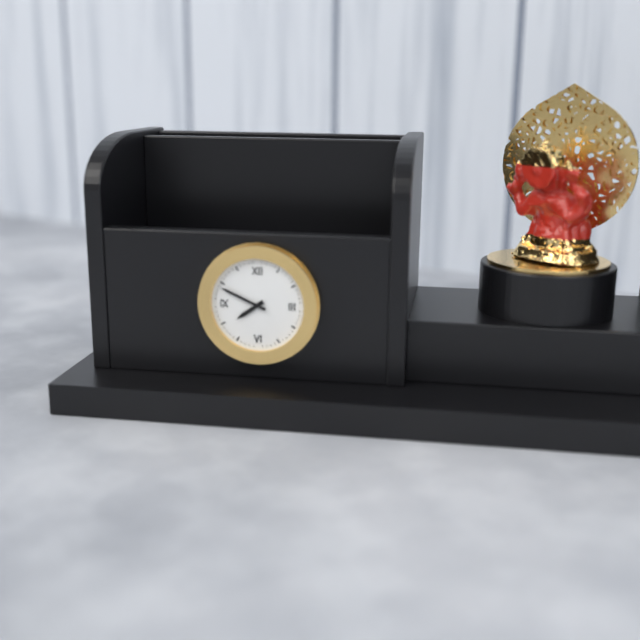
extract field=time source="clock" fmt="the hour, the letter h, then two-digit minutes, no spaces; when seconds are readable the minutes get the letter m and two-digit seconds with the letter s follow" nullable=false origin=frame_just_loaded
7h49
